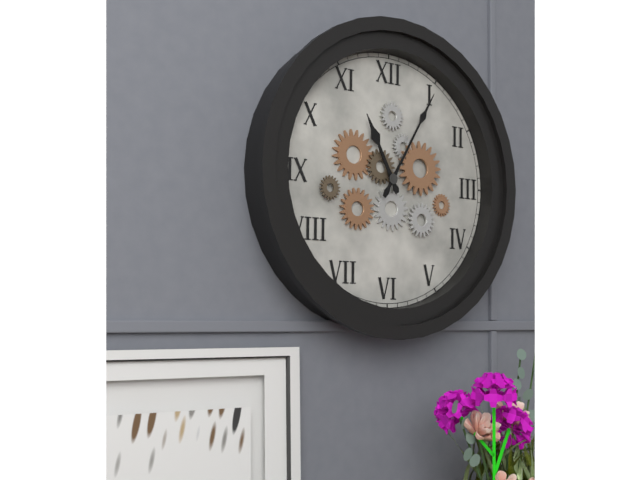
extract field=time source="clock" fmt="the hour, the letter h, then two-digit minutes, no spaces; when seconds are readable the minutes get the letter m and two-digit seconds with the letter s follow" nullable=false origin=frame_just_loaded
11h05
